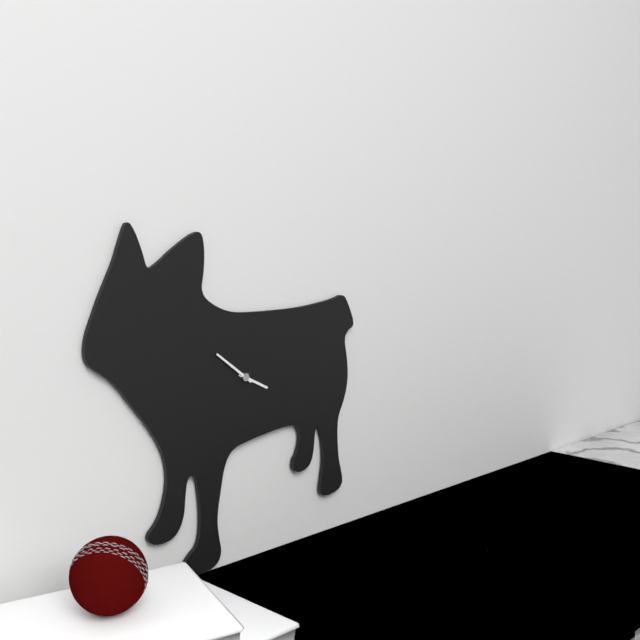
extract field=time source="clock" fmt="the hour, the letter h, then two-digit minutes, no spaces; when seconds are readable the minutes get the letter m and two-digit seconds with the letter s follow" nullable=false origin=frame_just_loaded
3h51
